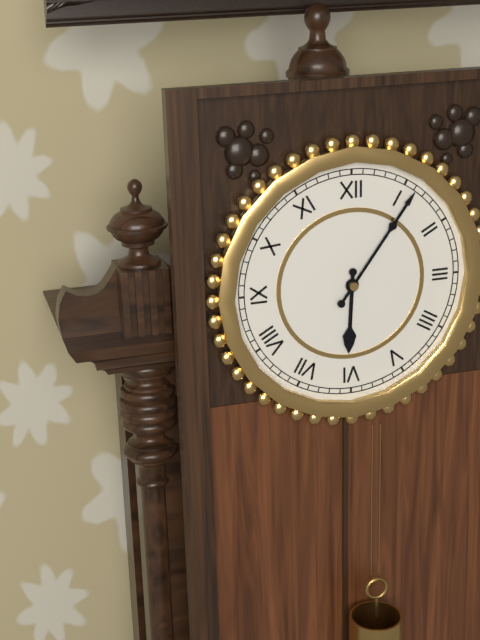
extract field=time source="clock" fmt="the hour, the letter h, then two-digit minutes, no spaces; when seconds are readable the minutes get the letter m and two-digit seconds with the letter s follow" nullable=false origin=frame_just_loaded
6h06
